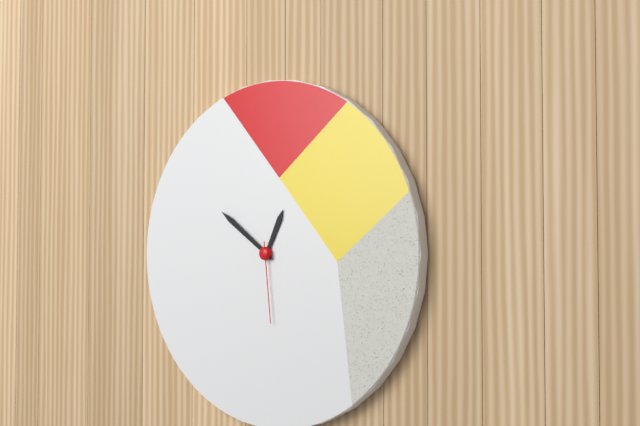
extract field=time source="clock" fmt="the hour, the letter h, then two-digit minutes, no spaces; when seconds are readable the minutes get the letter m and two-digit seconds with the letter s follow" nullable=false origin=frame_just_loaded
12h51m29s
